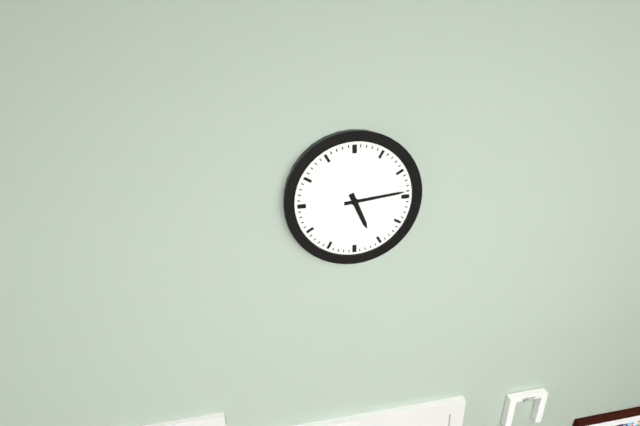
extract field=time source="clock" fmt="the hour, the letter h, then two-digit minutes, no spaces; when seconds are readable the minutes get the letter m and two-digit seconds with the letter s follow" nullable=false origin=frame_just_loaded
5h14
